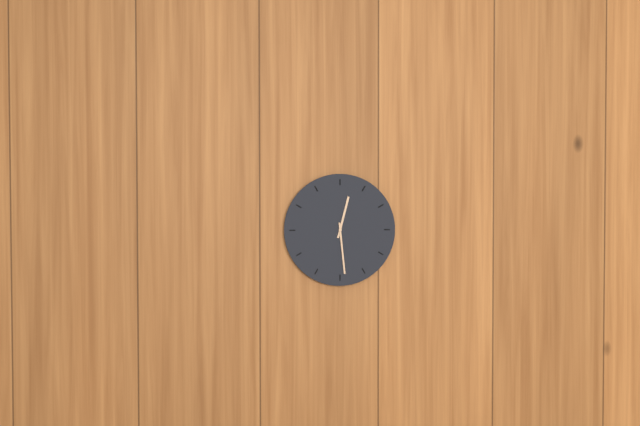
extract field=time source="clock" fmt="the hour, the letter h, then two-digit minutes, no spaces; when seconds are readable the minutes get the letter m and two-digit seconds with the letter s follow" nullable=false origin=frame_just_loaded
12h29
